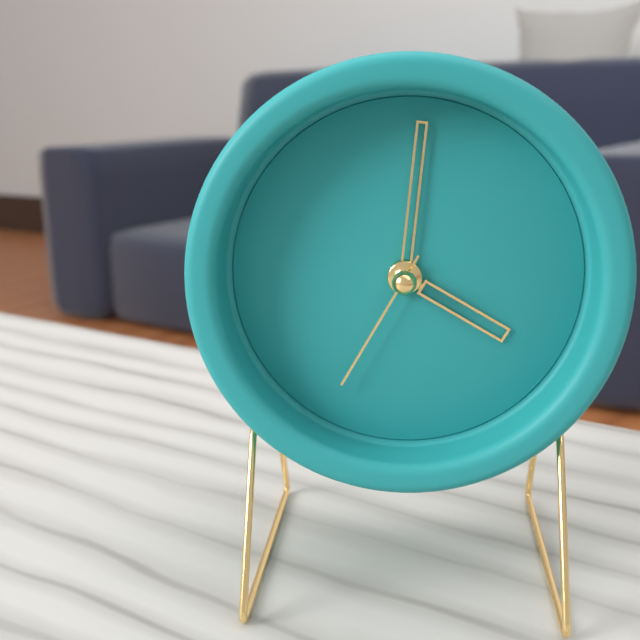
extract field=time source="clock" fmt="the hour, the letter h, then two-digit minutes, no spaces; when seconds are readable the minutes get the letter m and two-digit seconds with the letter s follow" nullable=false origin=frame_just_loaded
4h01m35s
